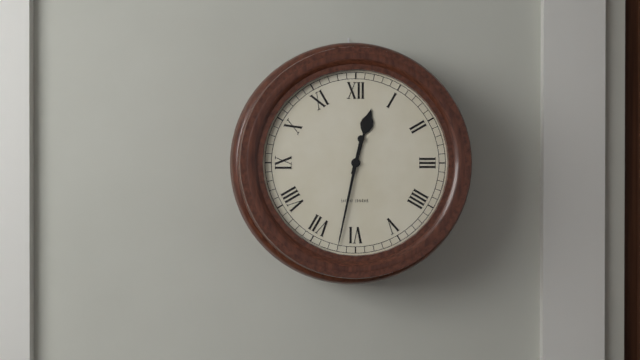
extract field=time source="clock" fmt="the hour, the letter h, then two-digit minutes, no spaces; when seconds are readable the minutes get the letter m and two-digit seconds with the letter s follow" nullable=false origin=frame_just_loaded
12h32
